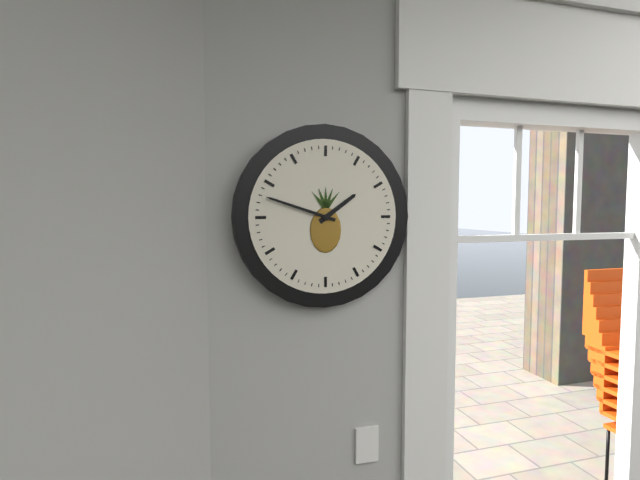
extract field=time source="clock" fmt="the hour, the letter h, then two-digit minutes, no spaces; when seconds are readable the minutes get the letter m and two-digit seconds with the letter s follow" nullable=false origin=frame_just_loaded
1h48
